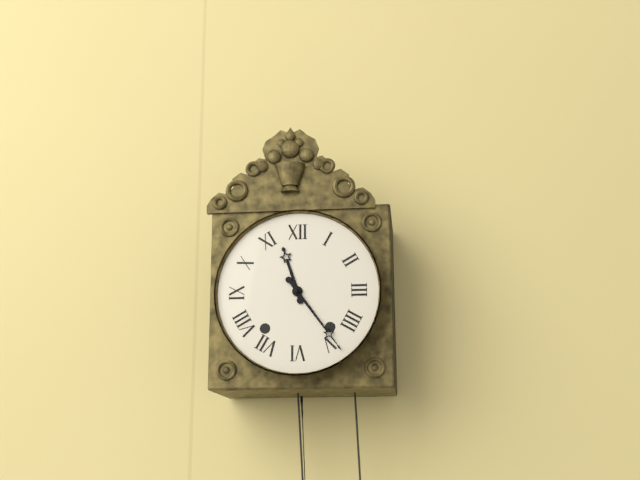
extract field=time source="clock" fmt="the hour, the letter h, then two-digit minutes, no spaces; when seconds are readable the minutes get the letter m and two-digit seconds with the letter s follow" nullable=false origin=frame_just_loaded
11h24
